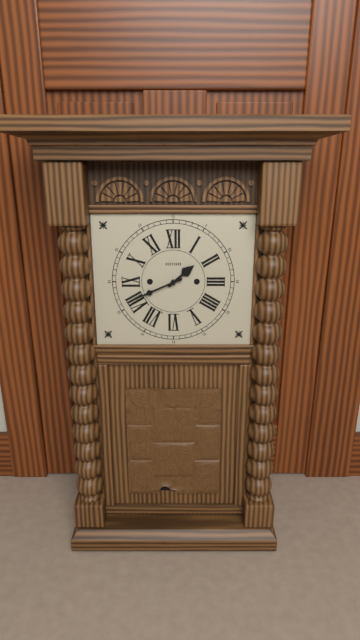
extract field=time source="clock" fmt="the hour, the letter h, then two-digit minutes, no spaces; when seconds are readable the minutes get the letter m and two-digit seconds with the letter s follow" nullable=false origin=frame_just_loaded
1h41
